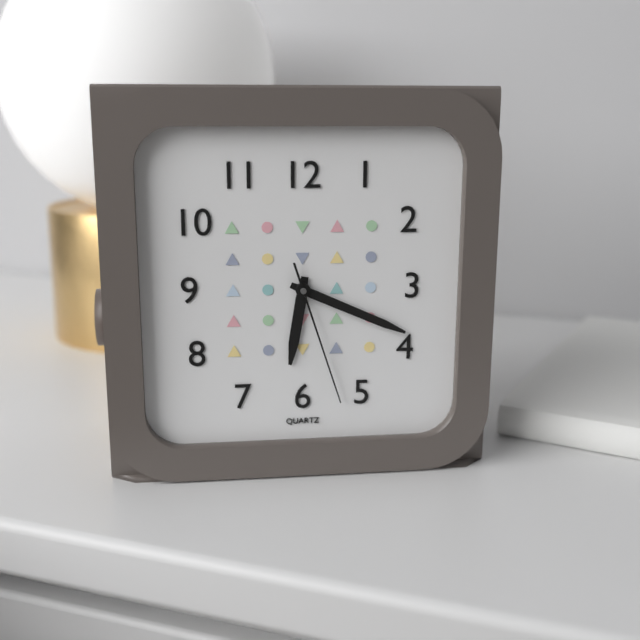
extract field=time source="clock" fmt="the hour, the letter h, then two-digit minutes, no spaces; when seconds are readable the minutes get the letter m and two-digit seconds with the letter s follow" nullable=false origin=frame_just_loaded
6h19m27s
